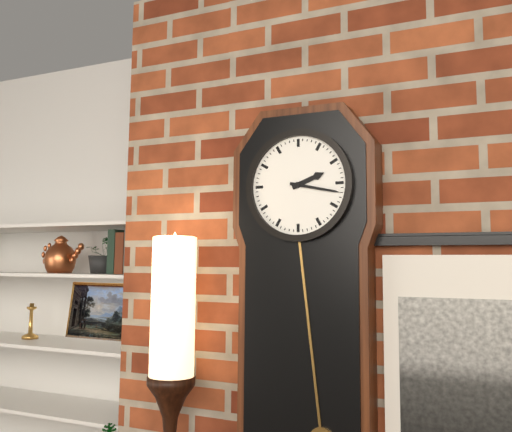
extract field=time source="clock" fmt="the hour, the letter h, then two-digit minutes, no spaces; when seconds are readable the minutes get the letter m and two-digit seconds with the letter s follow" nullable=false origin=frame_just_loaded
2h17
